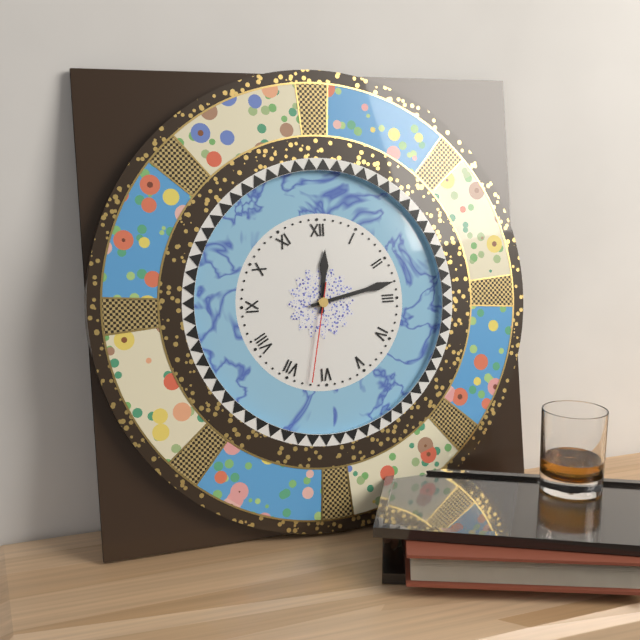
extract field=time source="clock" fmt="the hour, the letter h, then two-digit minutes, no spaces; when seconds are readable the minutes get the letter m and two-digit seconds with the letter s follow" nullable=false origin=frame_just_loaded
12h13m32s
